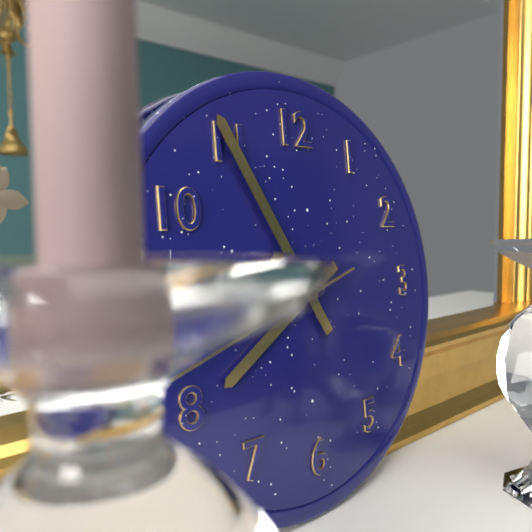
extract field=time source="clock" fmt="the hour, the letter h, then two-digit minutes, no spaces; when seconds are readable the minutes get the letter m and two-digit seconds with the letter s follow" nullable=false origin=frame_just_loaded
7h55m42s
